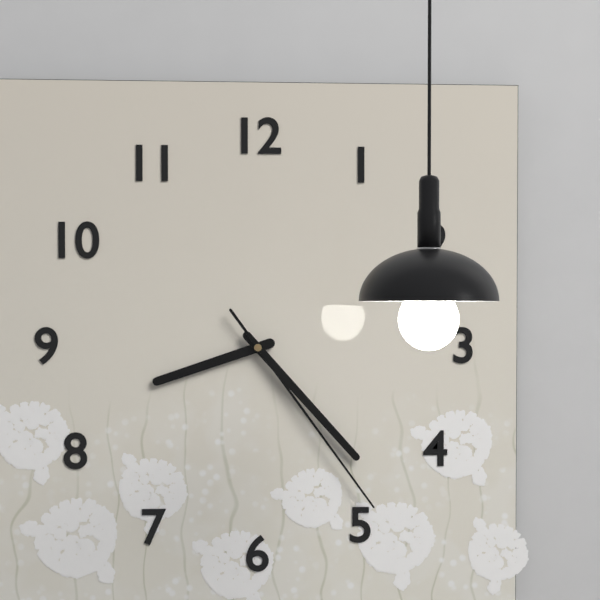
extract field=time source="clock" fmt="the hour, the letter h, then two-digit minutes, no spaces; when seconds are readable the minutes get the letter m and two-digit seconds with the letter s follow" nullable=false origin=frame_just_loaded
8h23m24s
